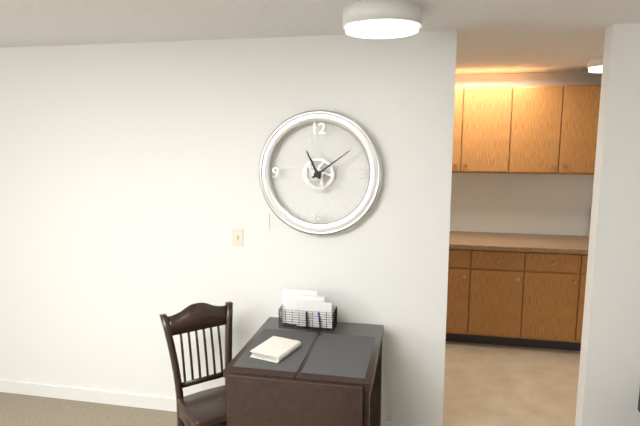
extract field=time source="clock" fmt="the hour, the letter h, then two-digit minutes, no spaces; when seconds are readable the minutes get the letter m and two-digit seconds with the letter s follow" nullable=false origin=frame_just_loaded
11h09
